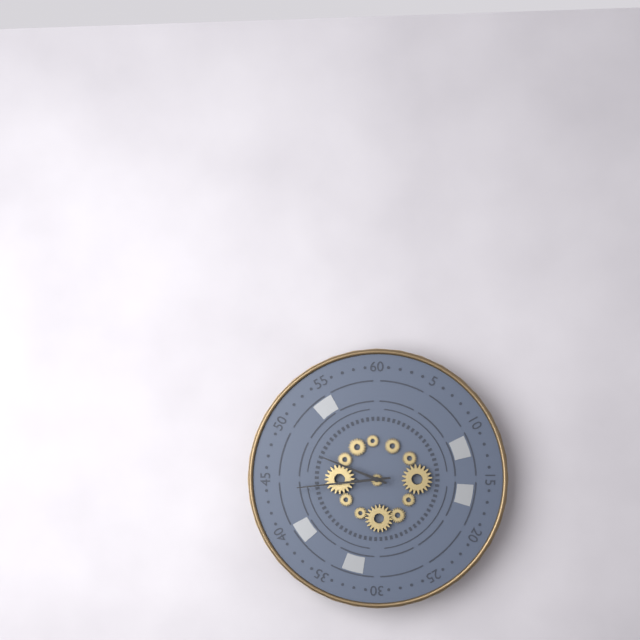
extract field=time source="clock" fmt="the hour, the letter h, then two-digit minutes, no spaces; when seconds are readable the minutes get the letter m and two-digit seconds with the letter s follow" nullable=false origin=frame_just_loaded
9h44
